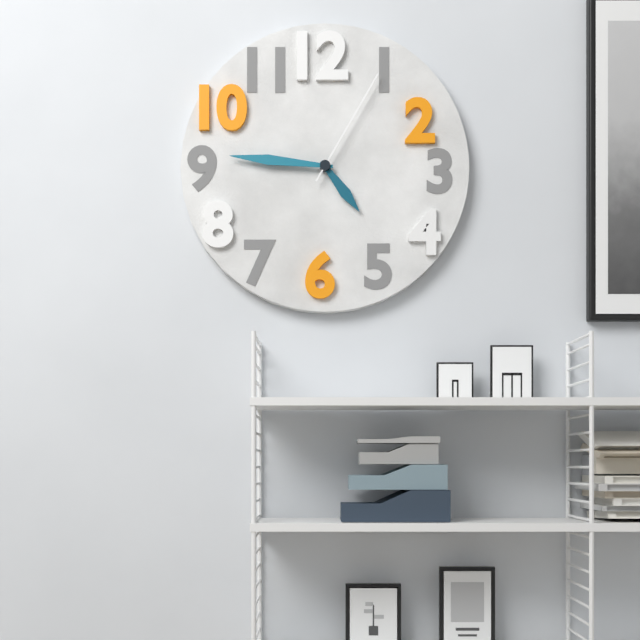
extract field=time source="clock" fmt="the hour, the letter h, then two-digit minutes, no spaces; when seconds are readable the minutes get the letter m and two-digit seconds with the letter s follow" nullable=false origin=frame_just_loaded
4h46m05s
